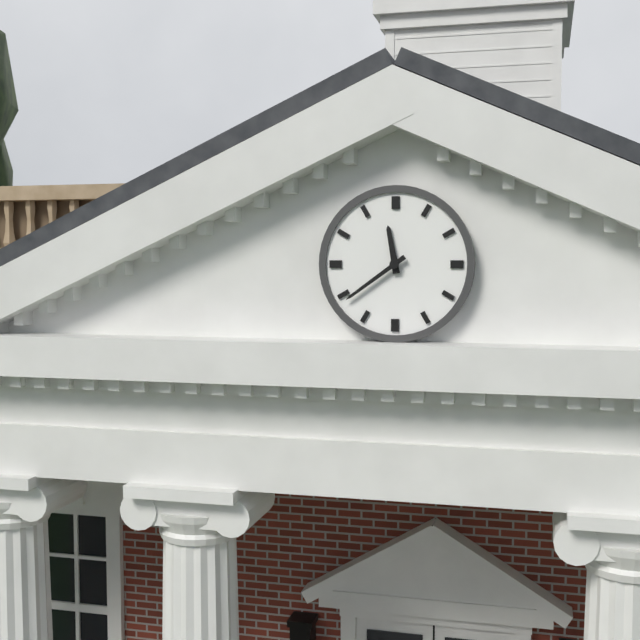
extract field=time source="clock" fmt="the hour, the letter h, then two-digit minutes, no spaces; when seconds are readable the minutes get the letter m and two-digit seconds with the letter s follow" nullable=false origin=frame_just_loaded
11h39
